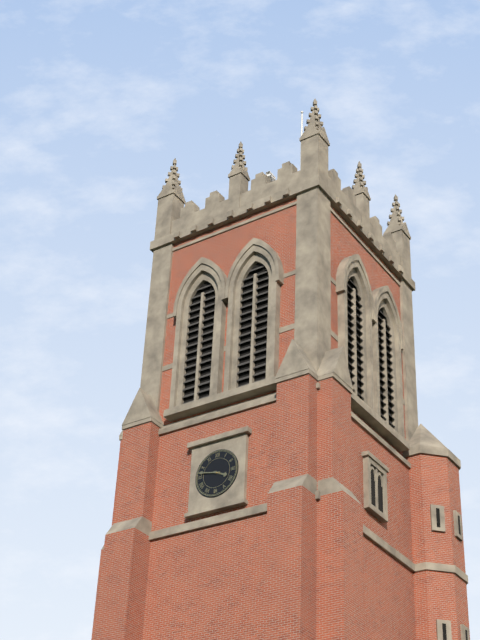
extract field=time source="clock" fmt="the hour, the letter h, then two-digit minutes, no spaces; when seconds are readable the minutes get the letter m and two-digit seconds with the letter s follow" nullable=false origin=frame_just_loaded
3h47
